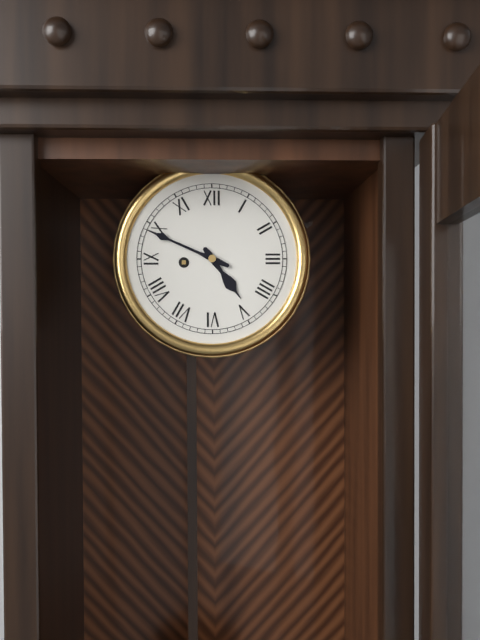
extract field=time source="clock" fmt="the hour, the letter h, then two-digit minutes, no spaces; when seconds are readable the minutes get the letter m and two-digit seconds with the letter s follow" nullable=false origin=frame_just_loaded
4h49
